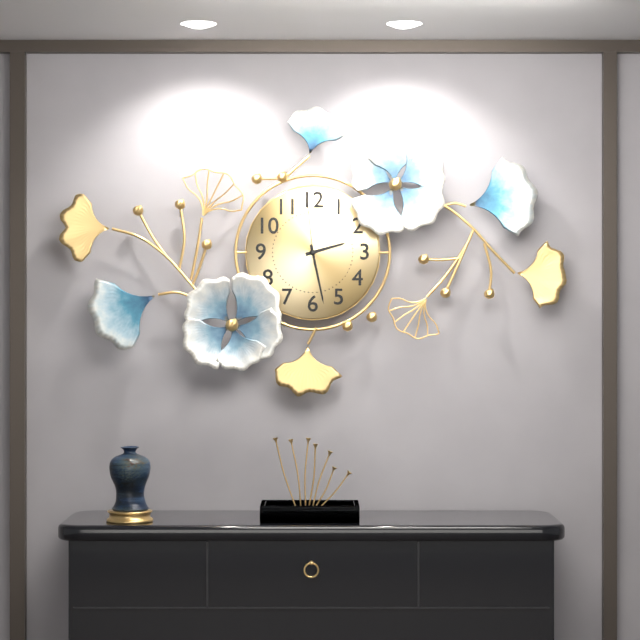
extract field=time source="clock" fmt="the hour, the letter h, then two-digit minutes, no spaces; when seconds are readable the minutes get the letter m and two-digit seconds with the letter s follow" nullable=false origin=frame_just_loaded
2h28m59s
